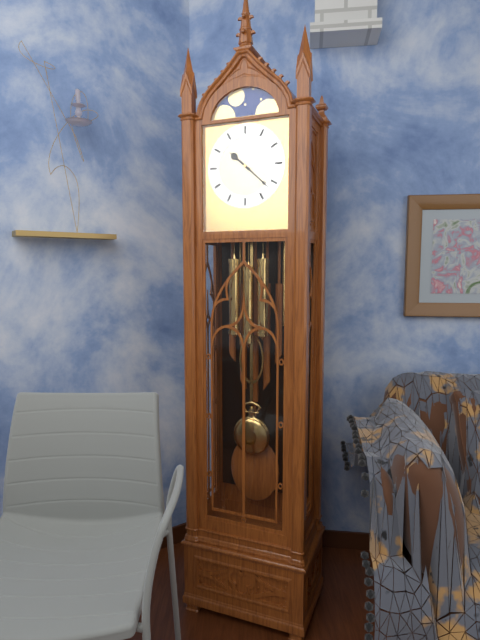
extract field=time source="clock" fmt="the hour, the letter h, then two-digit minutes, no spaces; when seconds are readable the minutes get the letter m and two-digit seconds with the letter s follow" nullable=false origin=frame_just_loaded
10h22
